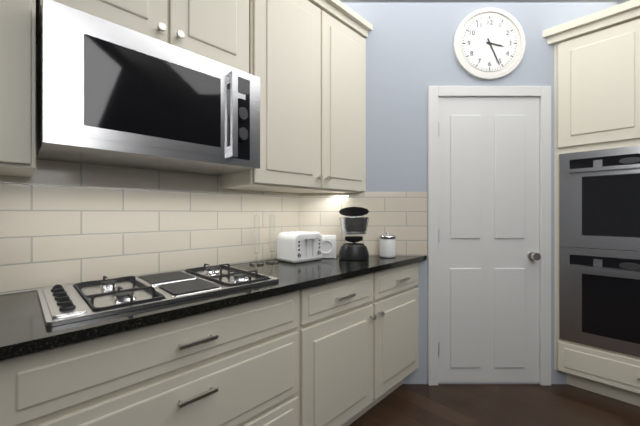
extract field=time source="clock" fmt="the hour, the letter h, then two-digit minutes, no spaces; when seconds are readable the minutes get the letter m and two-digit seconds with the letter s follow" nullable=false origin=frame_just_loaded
3h26
